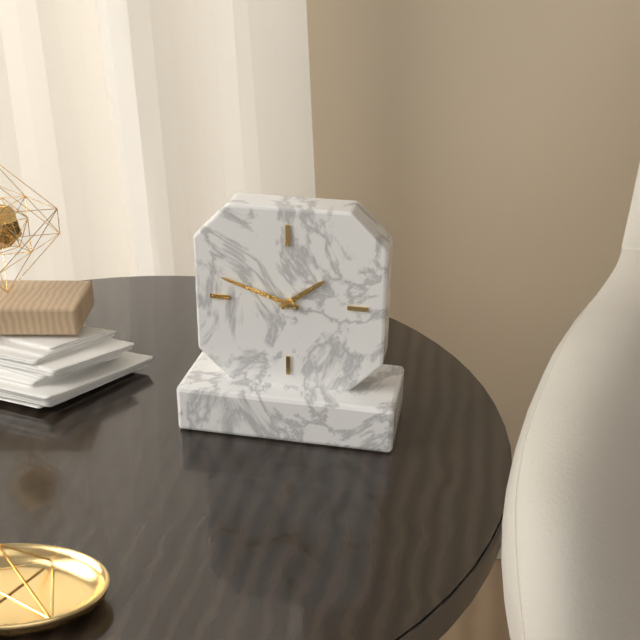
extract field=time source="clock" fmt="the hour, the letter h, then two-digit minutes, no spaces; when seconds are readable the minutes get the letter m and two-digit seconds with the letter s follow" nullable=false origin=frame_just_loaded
1h48
